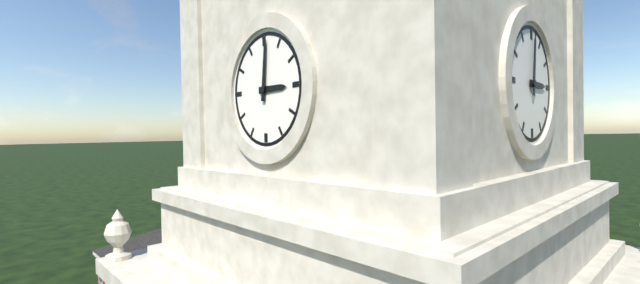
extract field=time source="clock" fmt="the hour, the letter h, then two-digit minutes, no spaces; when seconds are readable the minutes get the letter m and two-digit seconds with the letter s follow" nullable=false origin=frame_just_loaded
3h01
